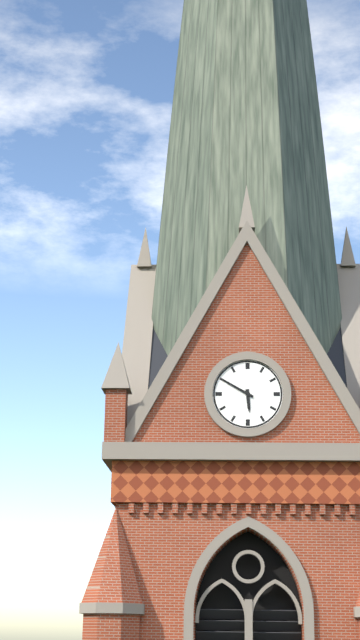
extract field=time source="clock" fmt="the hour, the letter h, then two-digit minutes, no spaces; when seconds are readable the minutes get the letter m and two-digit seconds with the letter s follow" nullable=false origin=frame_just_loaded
5h50
